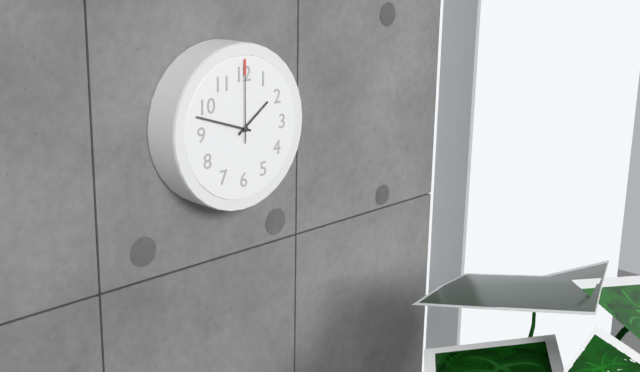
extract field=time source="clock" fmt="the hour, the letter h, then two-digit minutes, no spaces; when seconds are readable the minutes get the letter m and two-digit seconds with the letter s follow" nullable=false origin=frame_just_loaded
1h48m00s
